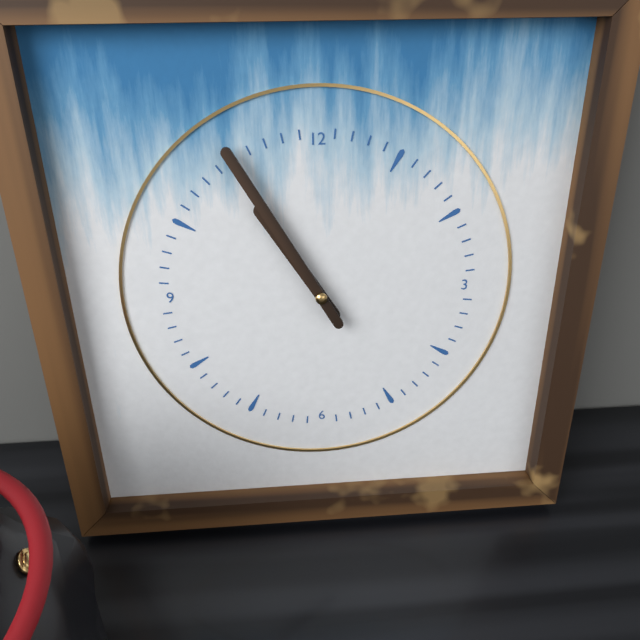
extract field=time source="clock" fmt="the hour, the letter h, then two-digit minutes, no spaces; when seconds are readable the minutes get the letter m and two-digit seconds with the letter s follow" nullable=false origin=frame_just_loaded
10h55
